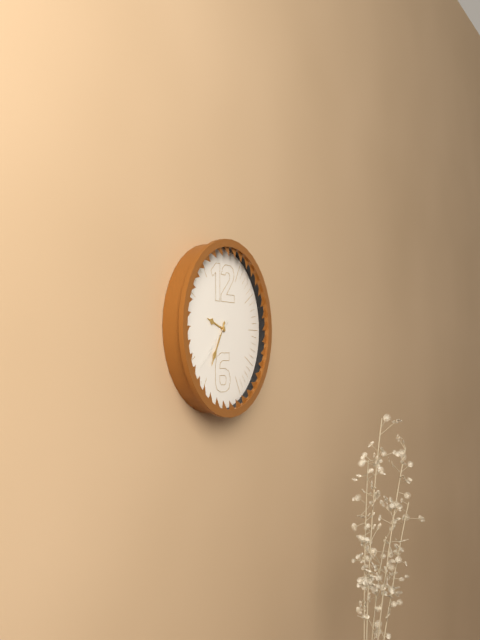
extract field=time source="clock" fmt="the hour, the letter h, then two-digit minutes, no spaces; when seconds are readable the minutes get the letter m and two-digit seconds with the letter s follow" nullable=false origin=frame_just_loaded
9h35m38s
